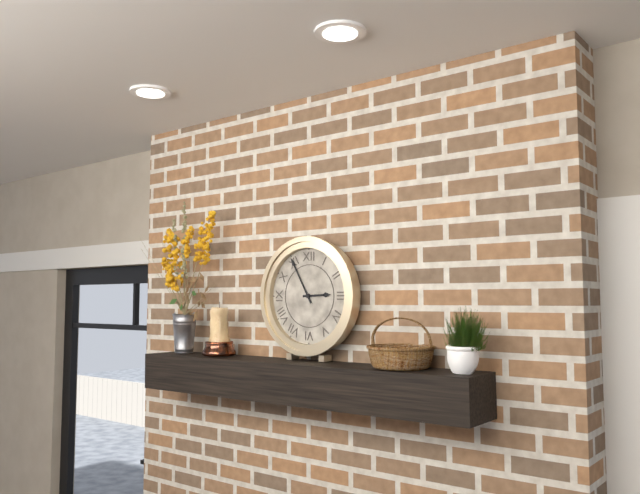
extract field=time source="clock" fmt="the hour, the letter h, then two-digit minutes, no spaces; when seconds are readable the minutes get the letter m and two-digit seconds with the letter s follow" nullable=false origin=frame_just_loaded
2h55
